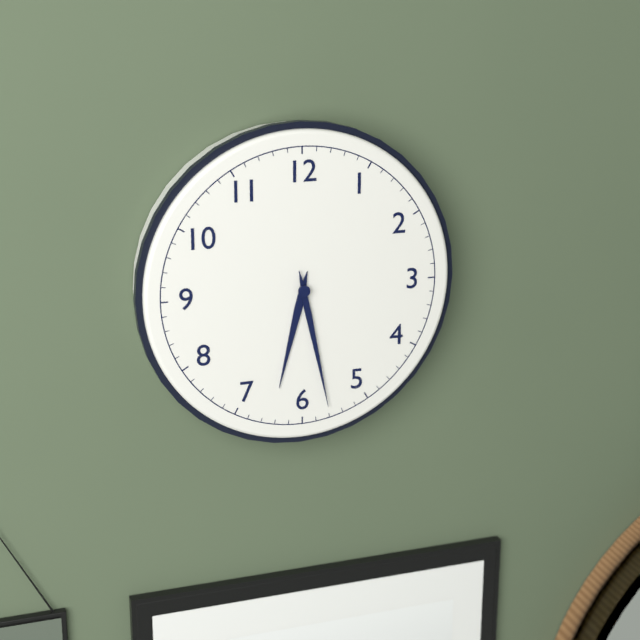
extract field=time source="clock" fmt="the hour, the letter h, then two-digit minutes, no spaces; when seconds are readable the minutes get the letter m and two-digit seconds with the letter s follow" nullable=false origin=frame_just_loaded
6h28
